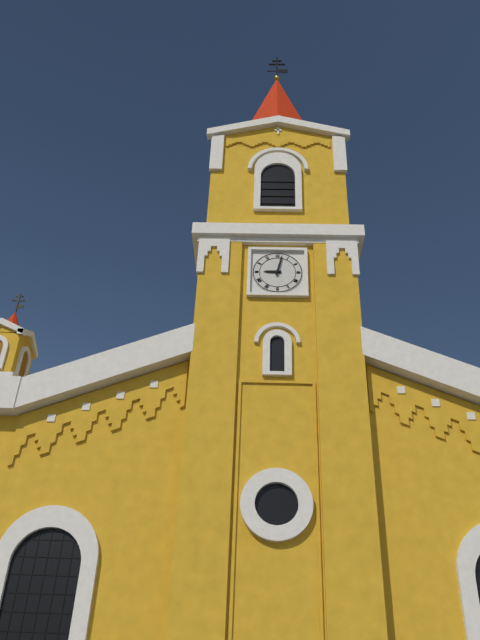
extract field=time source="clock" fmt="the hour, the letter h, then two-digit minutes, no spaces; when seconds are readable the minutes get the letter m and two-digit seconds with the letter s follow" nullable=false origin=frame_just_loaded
9h02
